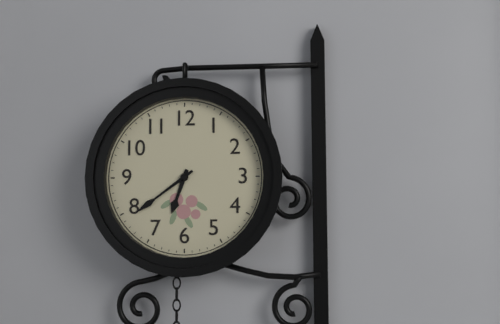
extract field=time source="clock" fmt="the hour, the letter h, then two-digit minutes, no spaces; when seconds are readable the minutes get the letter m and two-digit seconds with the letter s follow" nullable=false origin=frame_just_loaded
6h39
